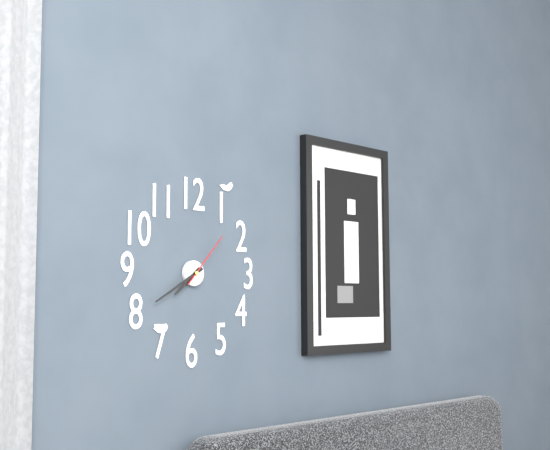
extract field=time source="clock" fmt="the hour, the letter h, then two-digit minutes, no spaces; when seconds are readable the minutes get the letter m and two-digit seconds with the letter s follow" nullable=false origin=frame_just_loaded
7h40m07s
